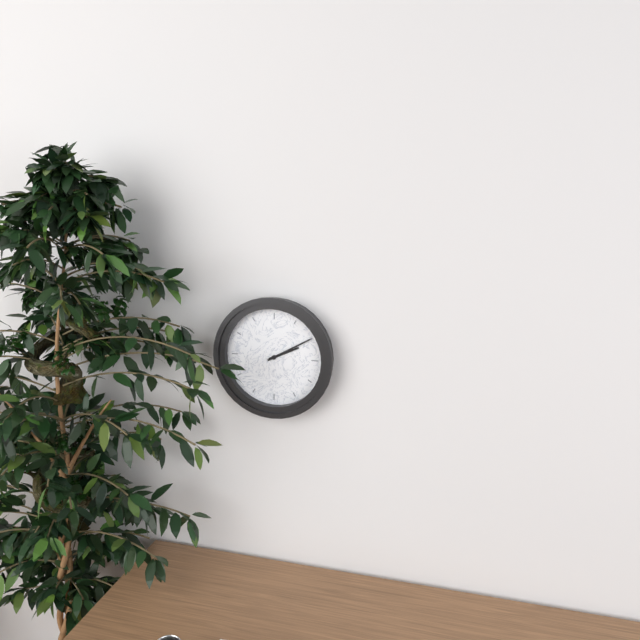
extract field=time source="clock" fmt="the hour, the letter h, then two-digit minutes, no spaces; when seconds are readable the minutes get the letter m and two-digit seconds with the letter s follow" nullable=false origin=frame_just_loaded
2h10
